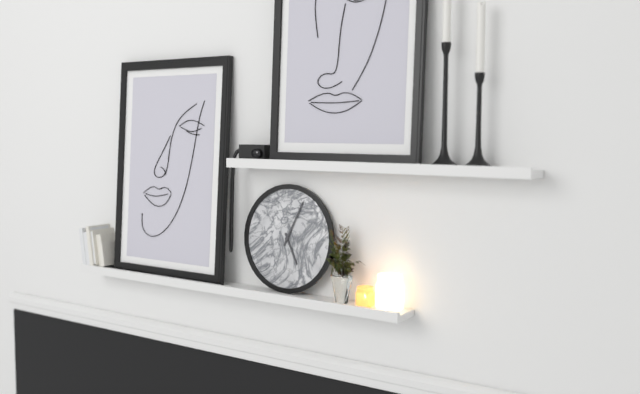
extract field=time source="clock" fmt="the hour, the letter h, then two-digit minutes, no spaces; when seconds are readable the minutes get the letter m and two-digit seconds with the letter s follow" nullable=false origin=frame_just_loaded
5h04
